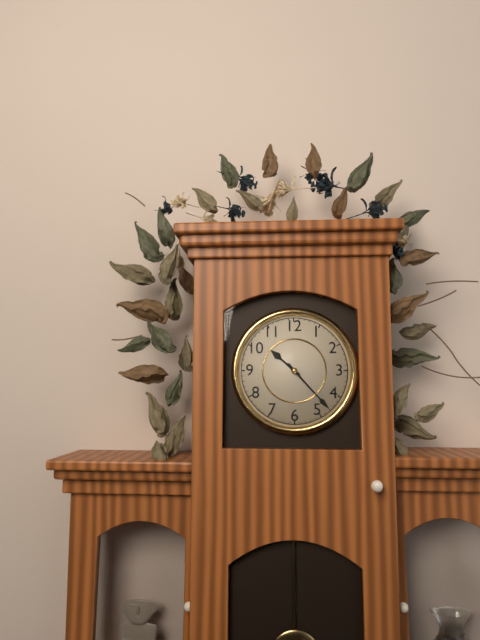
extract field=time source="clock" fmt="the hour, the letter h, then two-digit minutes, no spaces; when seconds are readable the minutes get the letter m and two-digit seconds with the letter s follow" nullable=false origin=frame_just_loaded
10h23
